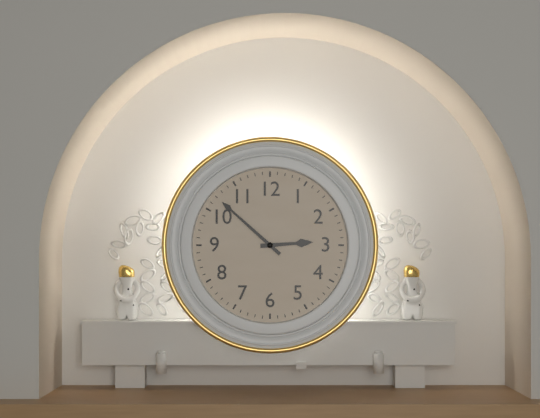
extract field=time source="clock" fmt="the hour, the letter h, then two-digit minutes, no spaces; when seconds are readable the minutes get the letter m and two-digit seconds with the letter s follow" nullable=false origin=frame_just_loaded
2h52
